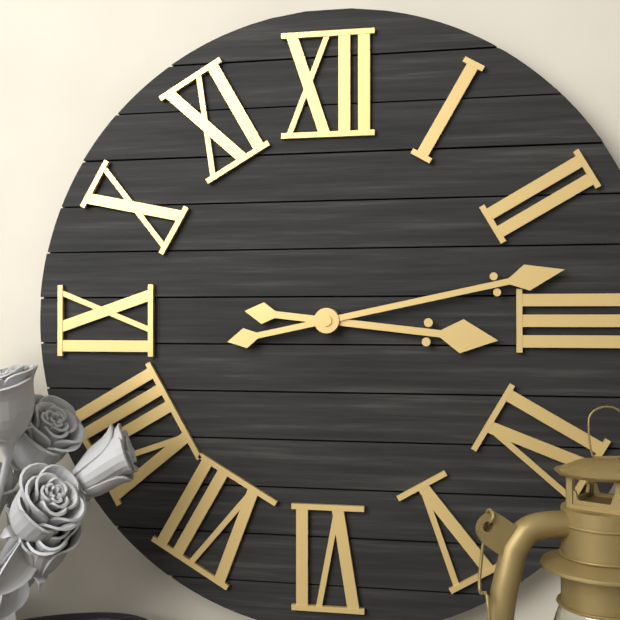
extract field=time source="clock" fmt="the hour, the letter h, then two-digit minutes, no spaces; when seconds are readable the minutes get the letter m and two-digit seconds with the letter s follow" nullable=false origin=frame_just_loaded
3h13
